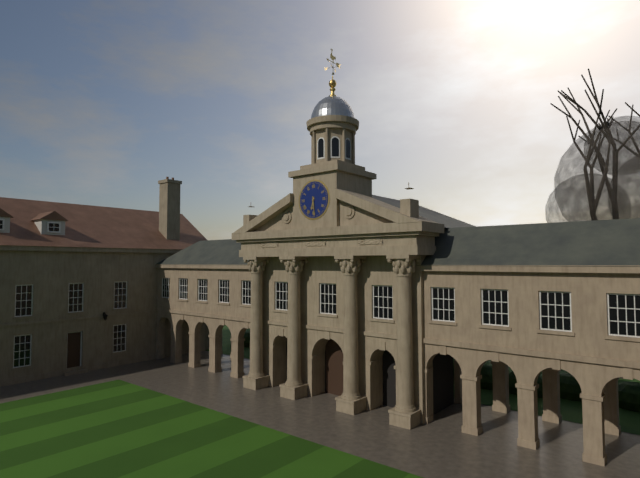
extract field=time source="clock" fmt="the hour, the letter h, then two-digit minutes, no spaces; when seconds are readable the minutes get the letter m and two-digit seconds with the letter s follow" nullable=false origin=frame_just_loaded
6h29
